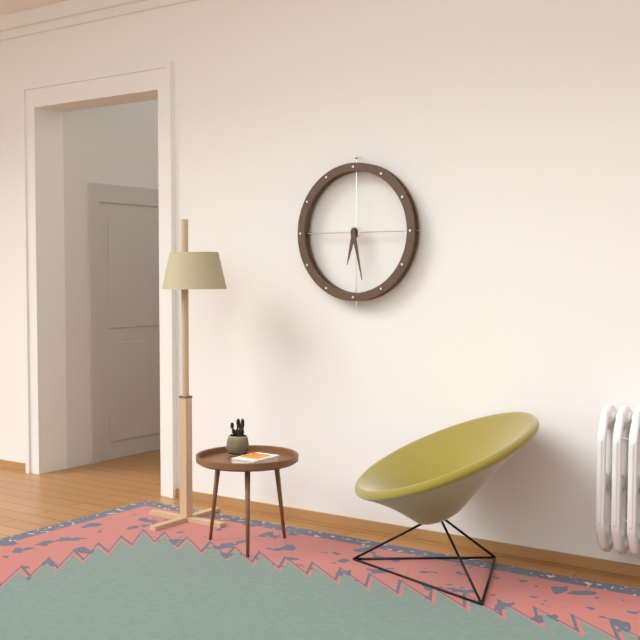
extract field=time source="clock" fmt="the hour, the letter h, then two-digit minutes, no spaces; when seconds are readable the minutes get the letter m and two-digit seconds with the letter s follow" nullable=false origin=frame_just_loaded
6h28
